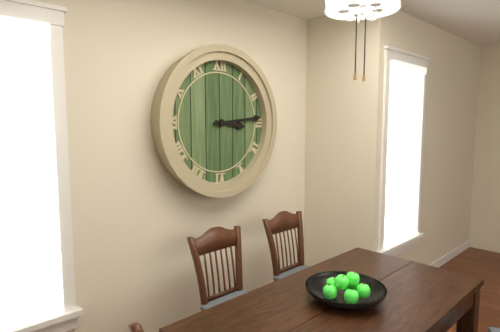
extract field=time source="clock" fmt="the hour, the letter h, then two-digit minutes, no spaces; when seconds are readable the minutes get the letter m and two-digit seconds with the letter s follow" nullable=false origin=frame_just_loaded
3h14
